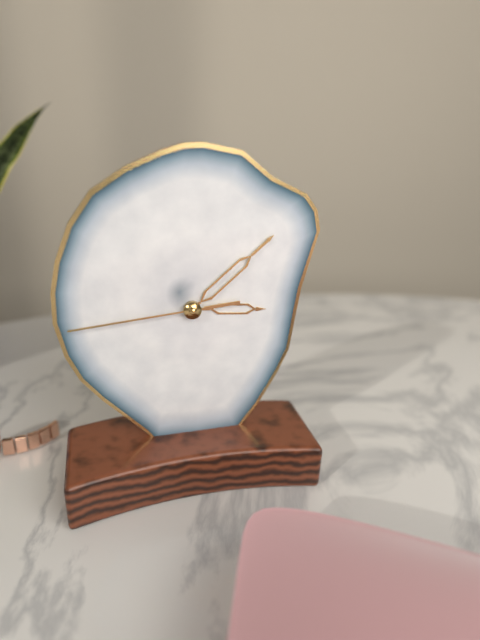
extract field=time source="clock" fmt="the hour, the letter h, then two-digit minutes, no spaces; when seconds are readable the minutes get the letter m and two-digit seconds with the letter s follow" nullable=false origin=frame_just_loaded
3h08m44s
